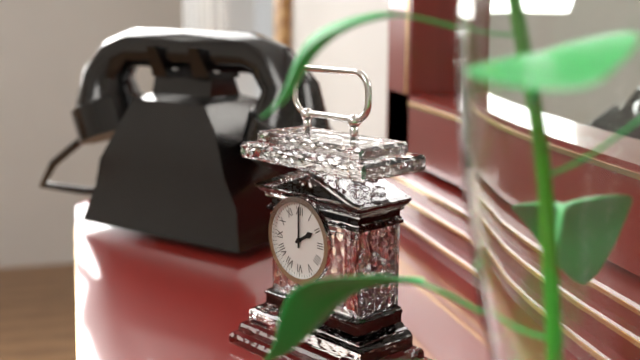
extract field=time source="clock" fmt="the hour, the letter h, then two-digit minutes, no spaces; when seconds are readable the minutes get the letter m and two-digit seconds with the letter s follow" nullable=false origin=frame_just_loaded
2h00
